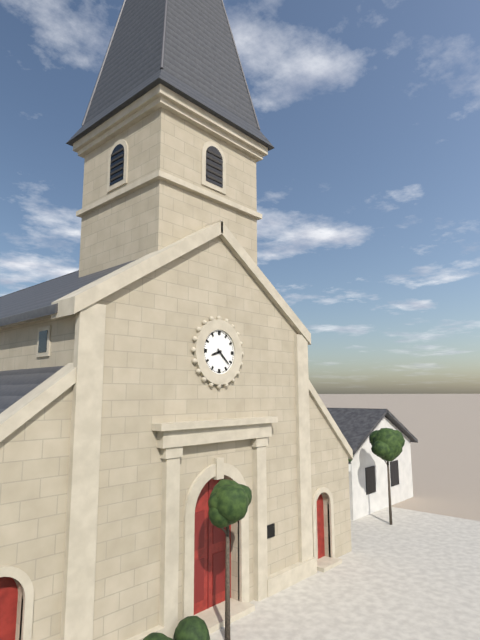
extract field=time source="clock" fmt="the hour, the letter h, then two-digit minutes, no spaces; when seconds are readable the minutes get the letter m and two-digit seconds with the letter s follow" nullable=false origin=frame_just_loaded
8h22
